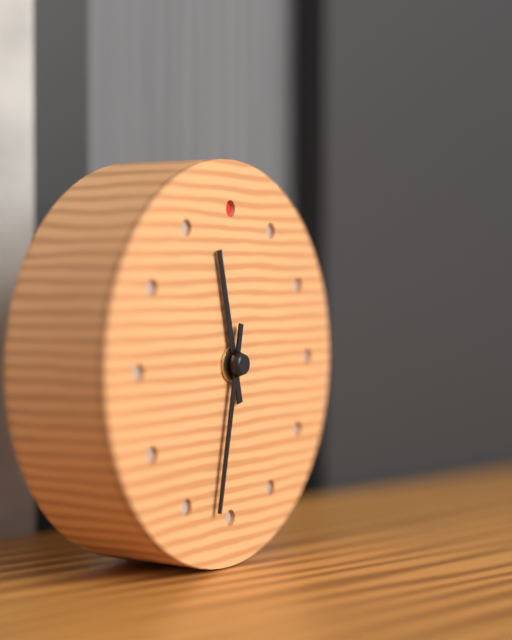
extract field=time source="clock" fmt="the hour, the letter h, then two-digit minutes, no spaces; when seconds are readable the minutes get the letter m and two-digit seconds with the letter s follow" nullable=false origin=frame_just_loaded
11h32
